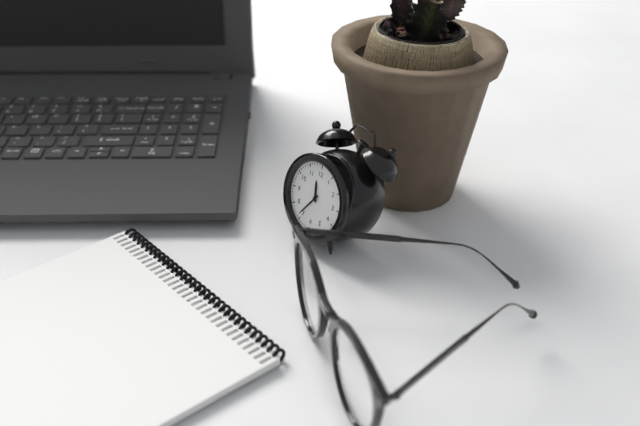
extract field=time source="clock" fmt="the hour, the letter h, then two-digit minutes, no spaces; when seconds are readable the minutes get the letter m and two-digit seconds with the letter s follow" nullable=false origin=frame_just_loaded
11h36
